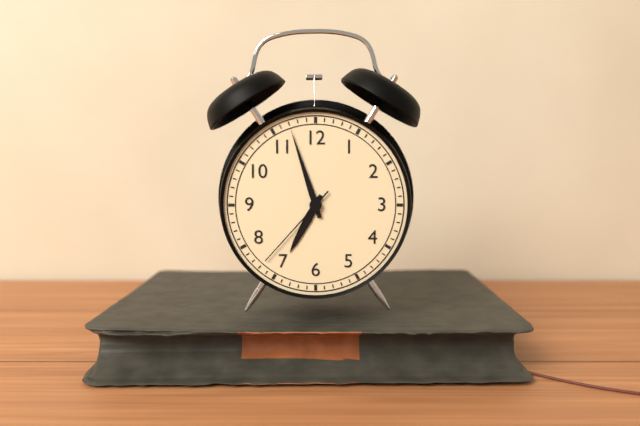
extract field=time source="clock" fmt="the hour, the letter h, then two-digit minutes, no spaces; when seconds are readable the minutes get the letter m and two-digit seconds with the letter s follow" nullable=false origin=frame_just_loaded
6h57m37s
